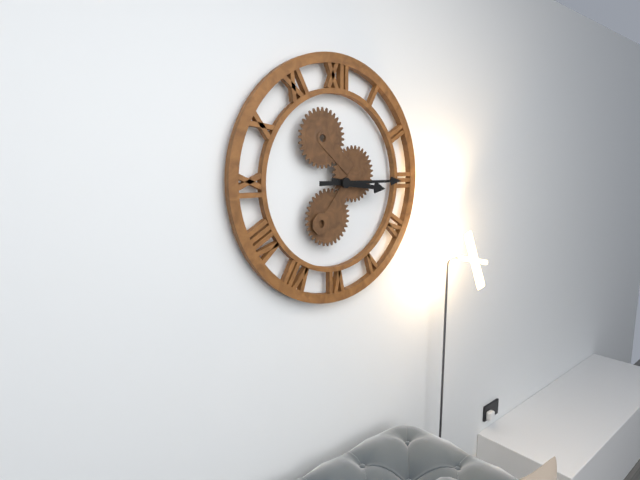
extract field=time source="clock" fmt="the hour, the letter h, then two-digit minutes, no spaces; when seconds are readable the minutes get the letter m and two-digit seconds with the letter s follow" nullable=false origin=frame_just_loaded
3h15
